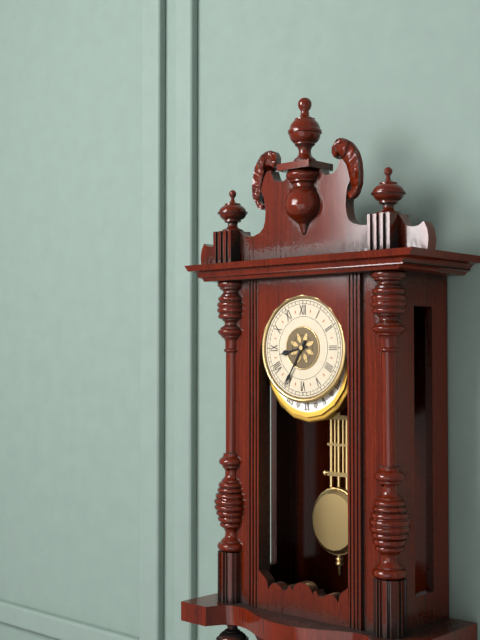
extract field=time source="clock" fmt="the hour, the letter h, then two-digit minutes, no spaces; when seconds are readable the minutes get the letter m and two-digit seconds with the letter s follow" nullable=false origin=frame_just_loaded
8h35
